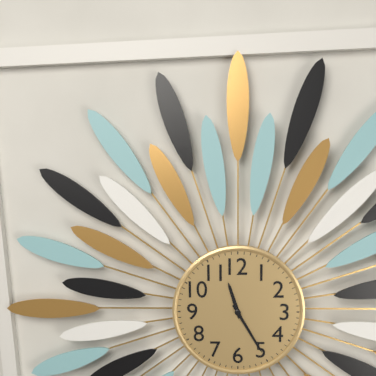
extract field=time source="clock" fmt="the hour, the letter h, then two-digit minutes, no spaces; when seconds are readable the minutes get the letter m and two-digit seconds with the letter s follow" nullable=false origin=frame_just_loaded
11h25
